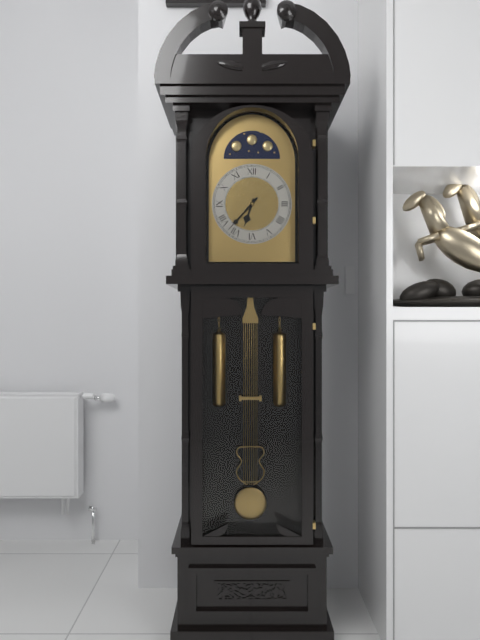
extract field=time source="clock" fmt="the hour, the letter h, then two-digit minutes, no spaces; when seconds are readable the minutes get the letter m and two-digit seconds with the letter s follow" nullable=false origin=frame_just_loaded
6h37
